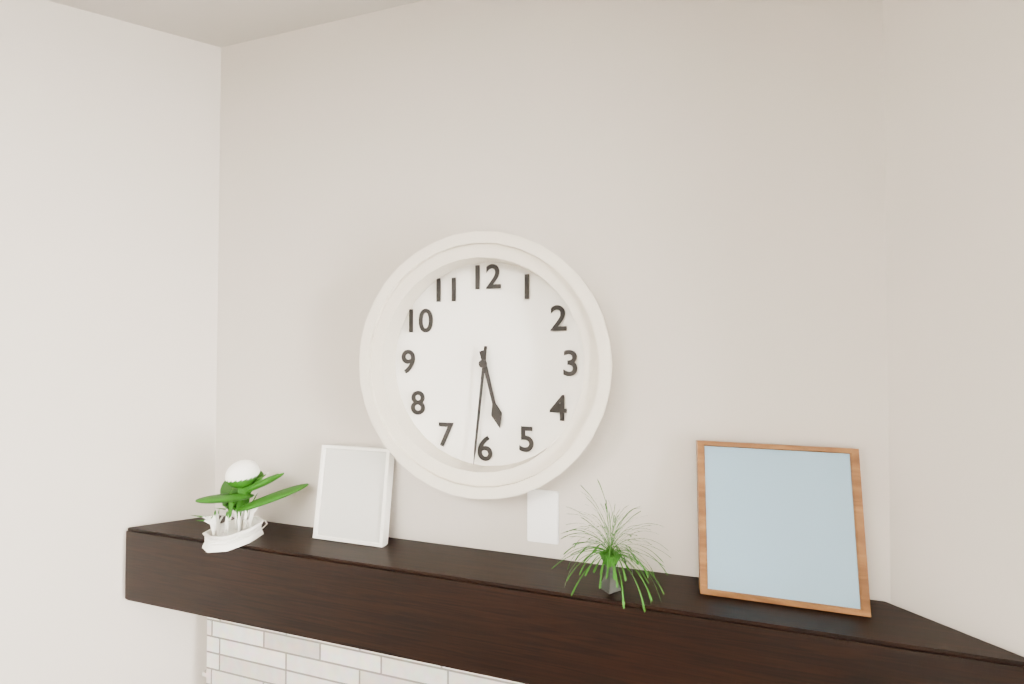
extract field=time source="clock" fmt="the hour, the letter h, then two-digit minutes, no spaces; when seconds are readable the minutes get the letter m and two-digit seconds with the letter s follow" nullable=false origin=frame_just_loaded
5h31
